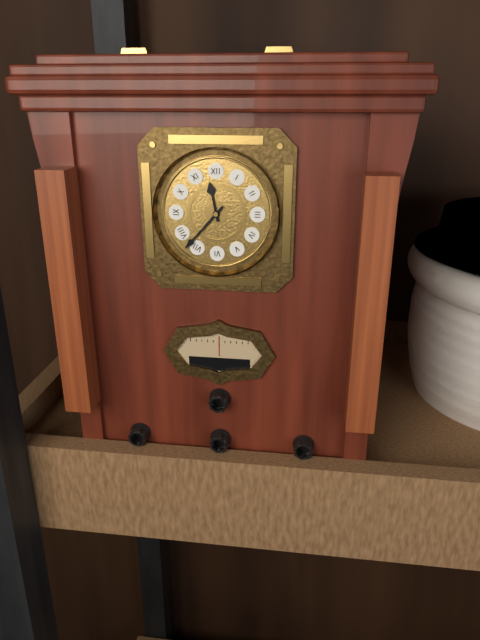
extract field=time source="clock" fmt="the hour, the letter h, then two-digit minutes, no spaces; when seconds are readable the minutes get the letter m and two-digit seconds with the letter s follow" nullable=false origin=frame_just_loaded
11h37
